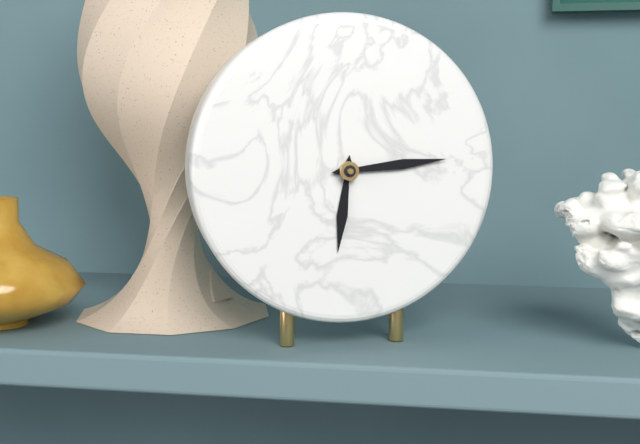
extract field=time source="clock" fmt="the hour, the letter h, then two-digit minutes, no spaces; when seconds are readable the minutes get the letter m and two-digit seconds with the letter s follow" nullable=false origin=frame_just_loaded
6h14
